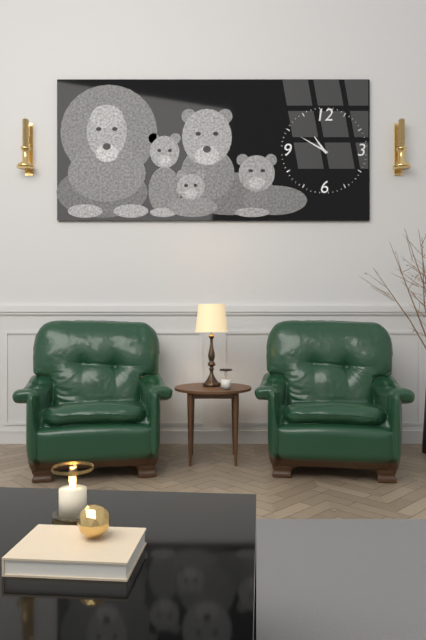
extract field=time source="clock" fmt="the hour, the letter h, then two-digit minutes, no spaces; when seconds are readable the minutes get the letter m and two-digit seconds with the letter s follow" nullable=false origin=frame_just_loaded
10h50
